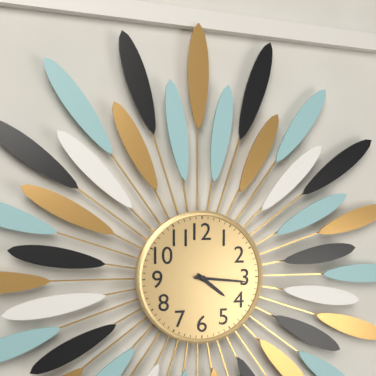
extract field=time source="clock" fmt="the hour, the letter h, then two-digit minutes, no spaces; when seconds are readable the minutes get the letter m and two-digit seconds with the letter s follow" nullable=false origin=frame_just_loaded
4h16
